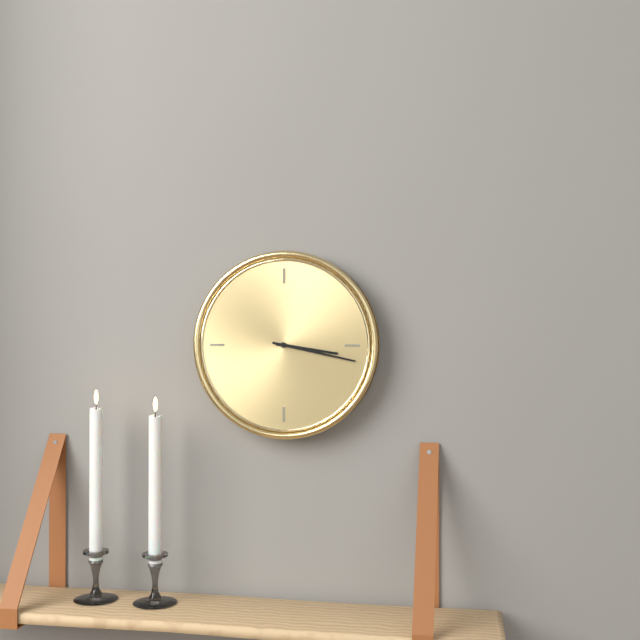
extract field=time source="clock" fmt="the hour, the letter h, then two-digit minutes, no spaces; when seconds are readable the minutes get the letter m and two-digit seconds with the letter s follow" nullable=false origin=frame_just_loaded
3h17
